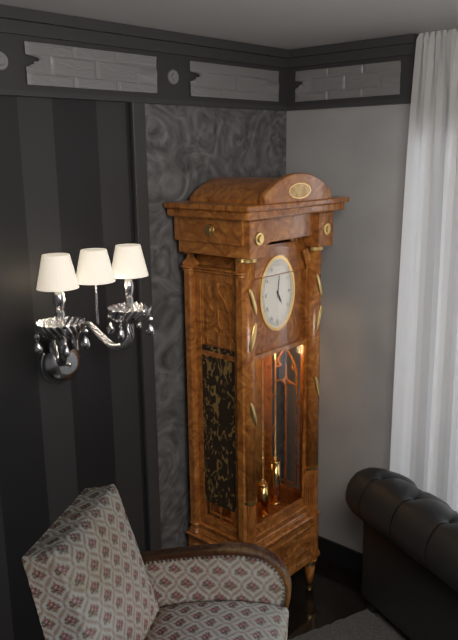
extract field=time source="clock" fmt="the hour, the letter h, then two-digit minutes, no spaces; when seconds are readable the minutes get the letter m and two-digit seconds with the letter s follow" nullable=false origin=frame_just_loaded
5h01
